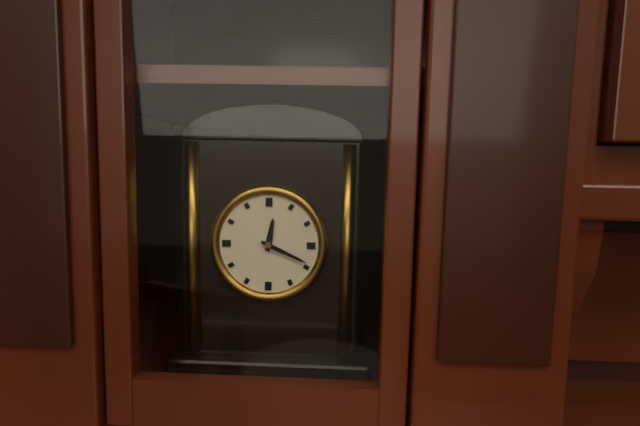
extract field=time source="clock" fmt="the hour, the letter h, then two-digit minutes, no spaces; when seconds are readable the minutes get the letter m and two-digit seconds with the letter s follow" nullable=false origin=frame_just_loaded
12h19
